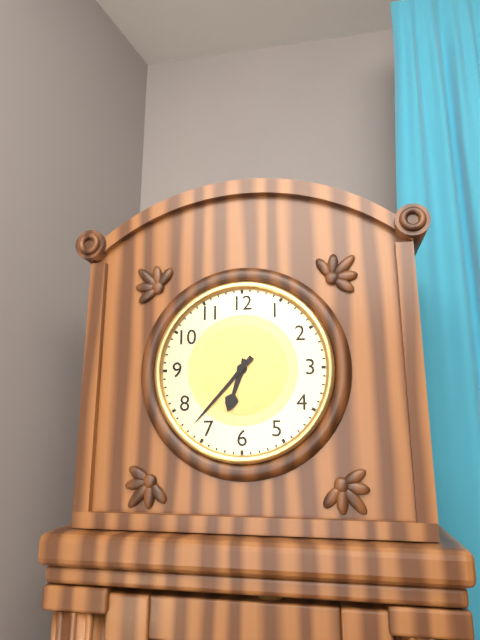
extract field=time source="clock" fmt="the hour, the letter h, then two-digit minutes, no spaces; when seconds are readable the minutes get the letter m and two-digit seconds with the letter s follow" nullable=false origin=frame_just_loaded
6h37
